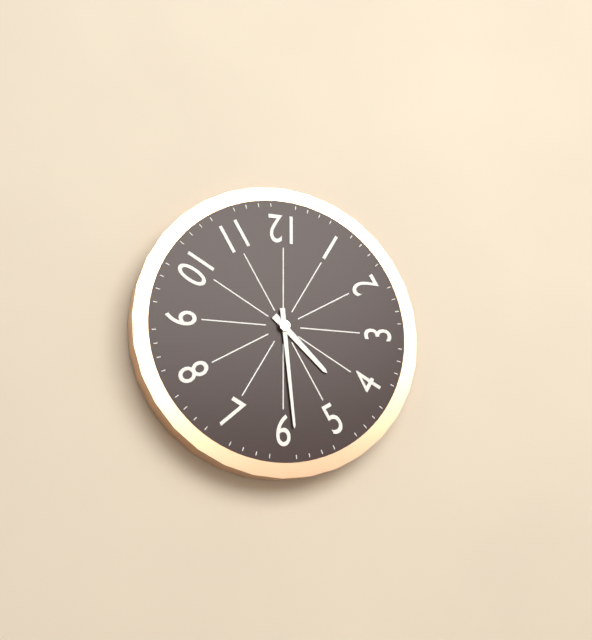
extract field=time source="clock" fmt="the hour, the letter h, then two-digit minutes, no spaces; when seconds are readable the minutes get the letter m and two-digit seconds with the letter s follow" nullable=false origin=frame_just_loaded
4h29
